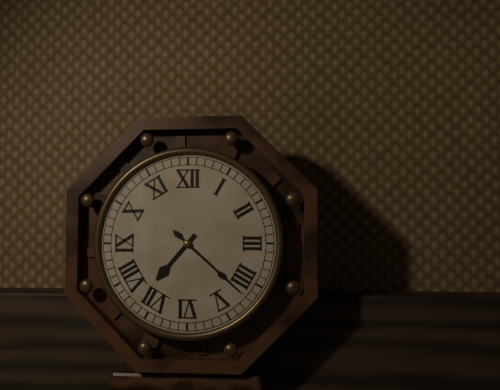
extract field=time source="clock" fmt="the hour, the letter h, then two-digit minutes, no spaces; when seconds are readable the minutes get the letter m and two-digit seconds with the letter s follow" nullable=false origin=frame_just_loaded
7h22
